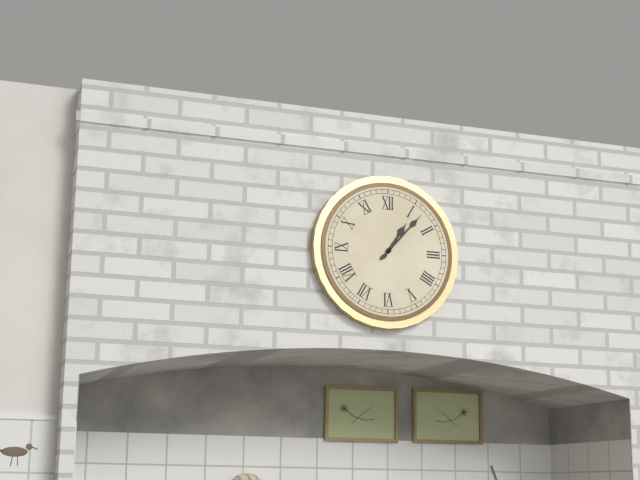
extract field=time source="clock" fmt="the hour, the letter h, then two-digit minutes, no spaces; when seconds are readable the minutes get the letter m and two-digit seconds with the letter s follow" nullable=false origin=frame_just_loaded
1h07
